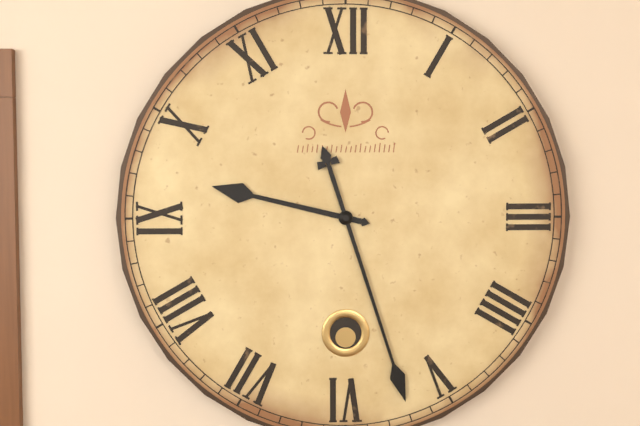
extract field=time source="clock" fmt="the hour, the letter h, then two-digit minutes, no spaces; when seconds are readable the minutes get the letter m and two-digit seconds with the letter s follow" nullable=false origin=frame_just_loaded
9h27
